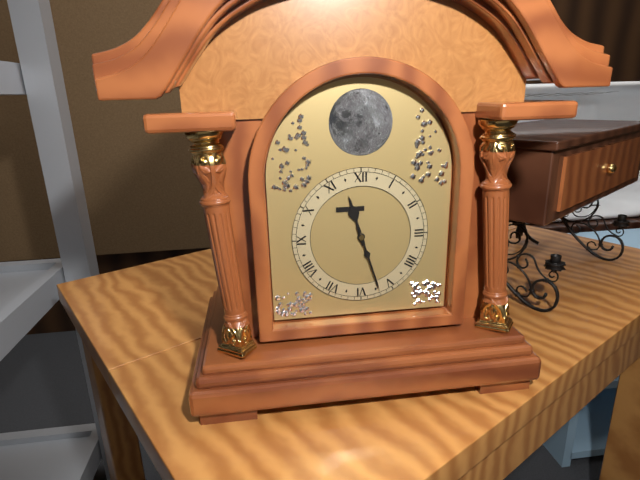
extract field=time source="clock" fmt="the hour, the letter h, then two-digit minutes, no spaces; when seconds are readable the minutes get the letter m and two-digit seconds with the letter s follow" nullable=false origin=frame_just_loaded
11h27
